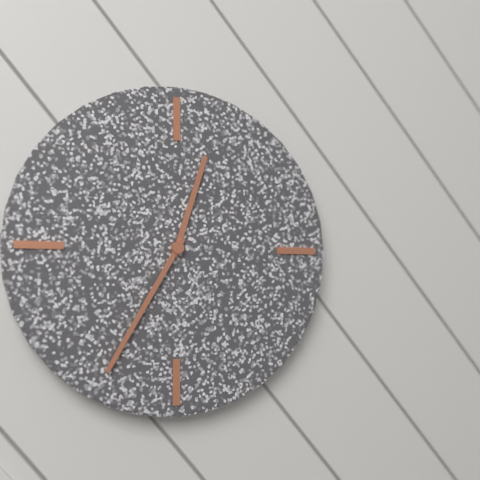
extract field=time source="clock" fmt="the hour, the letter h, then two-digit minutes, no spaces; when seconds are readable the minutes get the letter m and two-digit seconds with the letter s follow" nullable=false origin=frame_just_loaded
12h35
